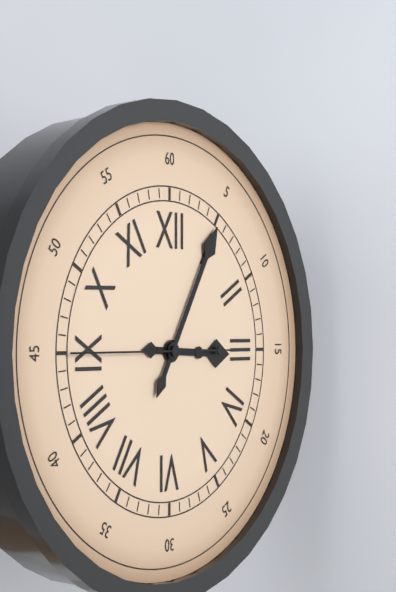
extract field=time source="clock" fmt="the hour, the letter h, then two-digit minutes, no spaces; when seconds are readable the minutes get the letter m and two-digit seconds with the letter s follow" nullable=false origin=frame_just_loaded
3h05m45s
